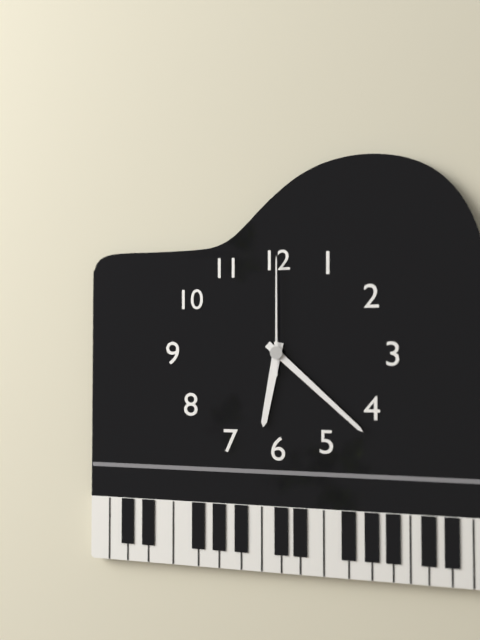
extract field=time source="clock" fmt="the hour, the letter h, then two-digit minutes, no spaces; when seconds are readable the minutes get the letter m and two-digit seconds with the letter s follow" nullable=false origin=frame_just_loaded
6h22m00s
